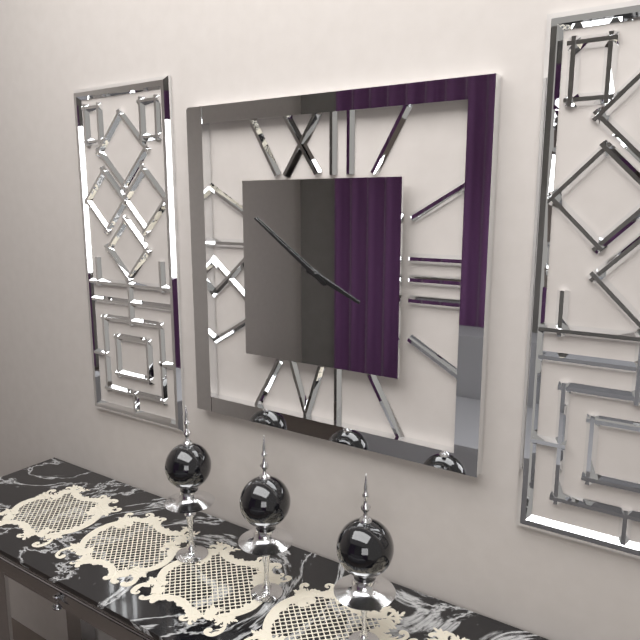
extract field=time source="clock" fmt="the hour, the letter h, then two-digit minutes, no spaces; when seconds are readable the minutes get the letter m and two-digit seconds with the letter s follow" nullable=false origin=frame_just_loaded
3h51
